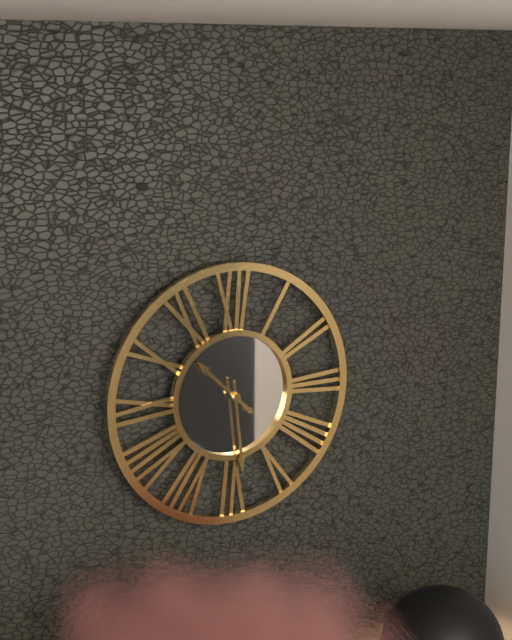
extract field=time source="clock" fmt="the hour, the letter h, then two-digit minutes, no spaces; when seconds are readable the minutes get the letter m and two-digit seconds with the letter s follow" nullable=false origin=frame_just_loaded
10h29
